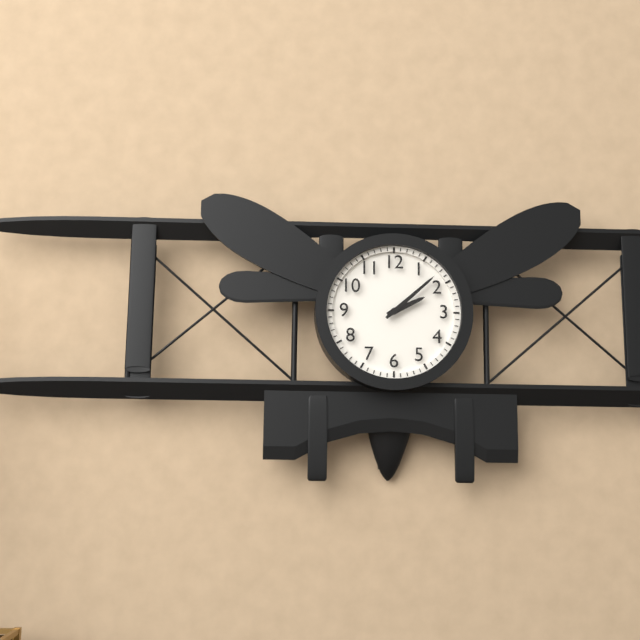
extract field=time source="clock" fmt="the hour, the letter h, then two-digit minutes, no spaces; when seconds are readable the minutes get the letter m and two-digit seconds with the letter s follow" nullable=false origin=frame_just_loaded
2h08
